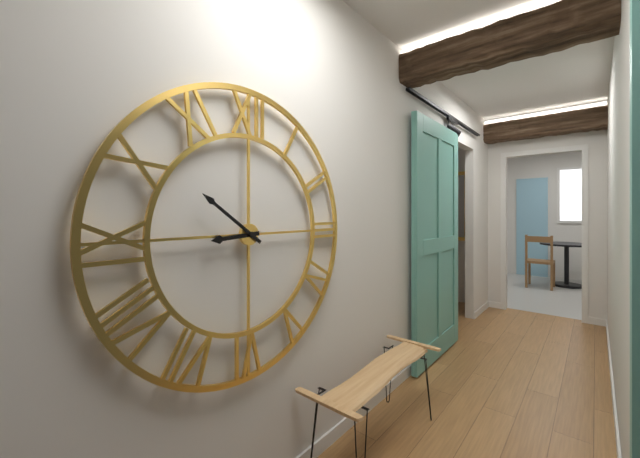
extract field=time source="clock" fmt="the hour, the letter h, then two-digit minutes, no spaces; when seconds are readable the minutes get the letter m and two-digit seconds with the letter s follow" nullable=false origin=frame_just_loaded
8h51
